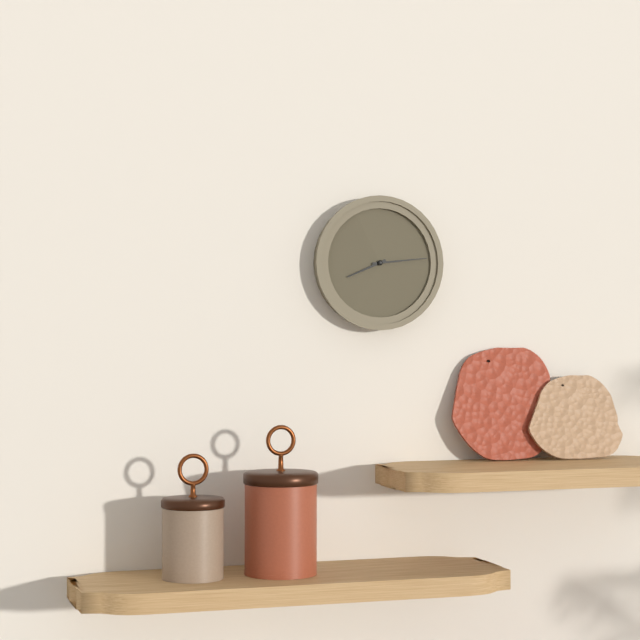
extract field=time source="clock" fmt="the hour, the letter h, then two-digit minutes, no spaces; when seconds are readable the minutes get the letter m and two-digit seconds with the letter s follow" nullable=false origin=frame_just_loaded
8h14
